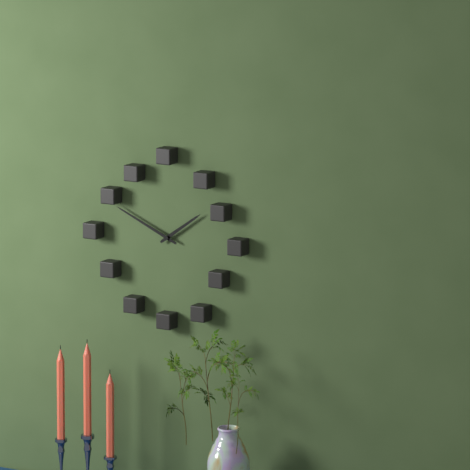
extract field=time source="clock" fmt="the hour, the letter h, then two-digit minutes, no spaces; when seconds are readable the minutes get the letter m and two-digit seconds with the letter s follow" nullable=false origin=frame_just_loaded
1h49
